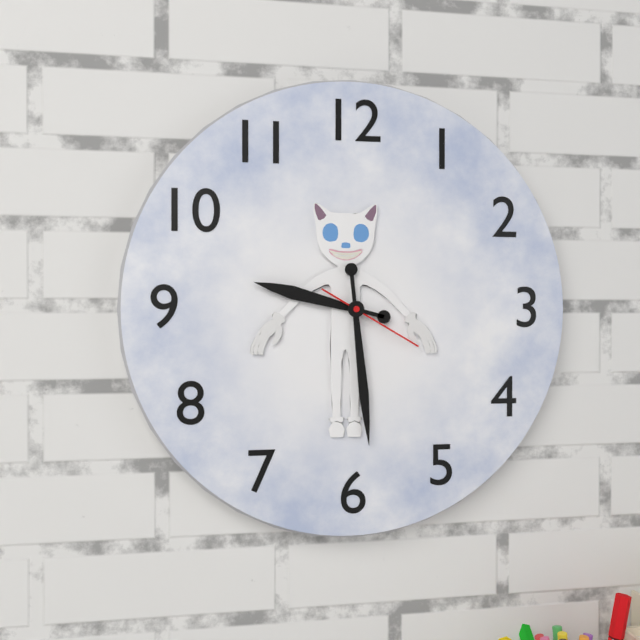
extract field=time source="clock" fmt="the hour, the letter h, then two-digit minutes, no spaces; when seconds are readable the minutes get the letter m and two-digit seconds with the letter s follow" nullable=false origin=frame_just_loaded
9h29m20s
